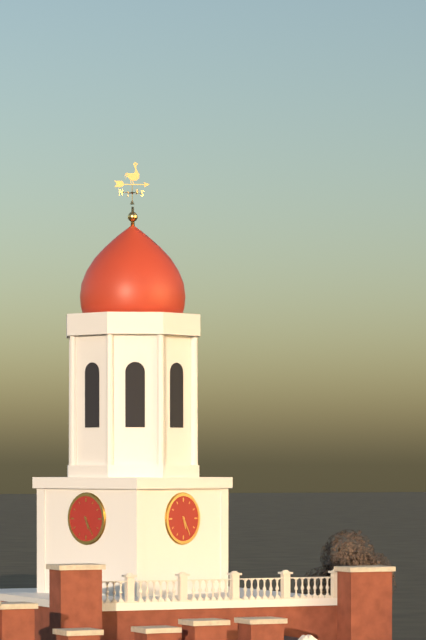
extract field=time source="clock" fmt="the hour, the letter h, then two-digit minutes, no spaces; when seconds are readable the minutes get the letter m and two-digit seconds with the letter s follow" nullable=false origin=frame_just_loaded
5h25
